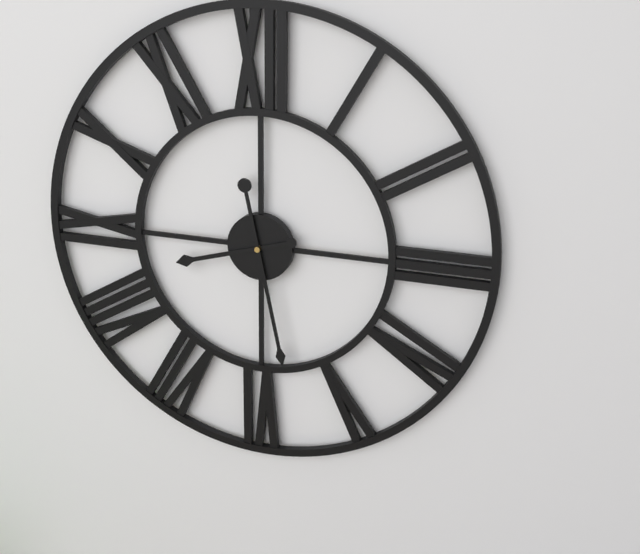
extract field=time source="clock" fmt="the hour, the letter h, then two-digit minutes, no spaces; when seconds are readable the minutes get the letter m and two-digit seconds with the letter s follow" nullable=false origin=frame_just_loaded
8h28
